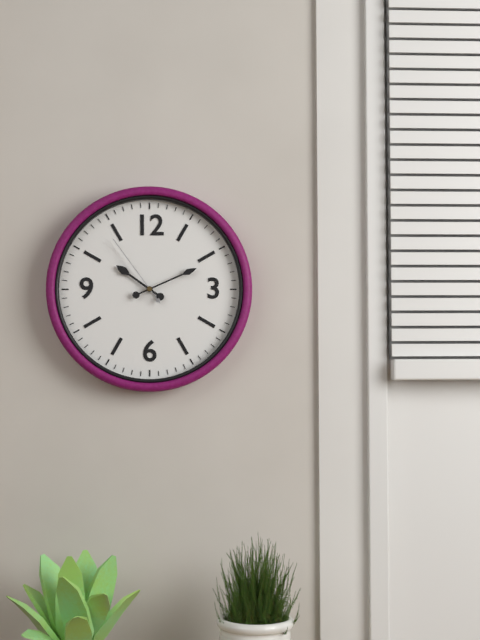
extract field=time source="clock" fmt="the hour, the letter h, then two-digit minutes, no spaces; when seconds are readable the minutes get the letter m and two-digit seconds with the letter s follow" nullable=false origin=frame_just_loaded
10h11m54s
